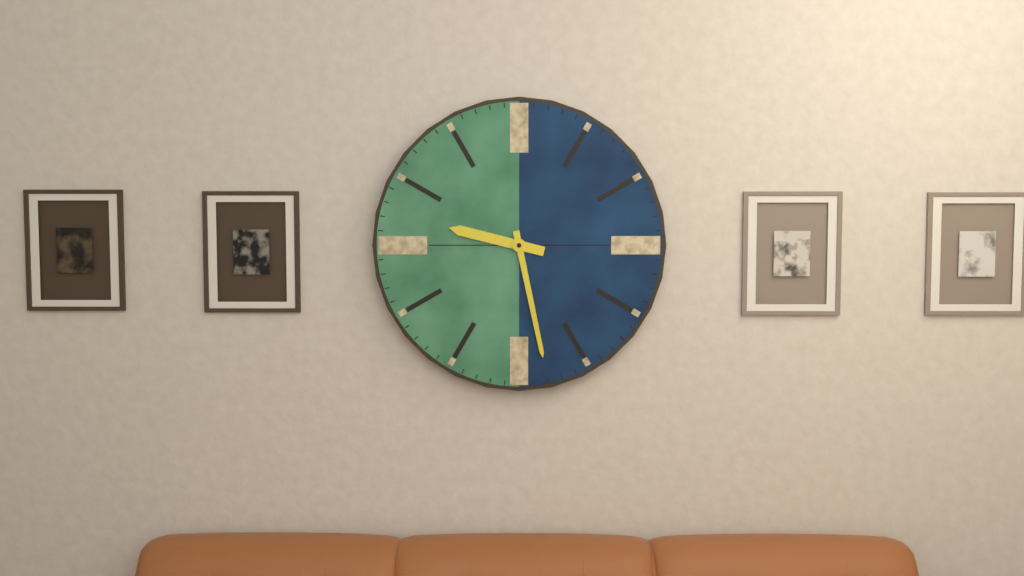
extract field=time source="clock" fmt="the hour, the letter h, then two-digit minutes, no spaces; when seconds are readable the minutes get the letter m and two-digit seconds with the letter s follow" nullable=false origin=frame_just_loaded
9h28
